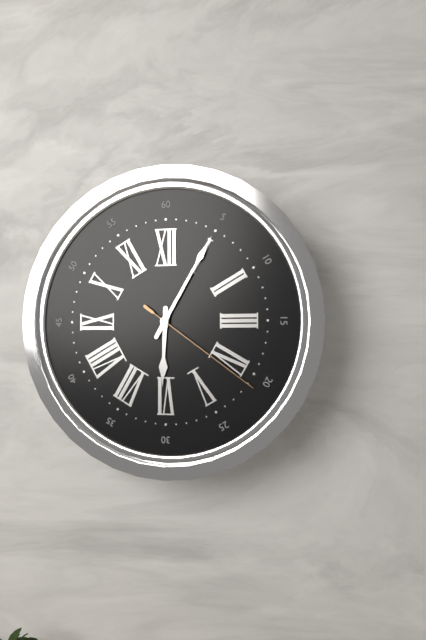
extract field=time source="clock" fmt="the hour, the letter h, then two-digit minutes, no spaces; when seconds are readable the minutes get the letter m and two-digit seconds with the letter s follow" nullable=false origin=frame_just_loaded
6h05m21s
